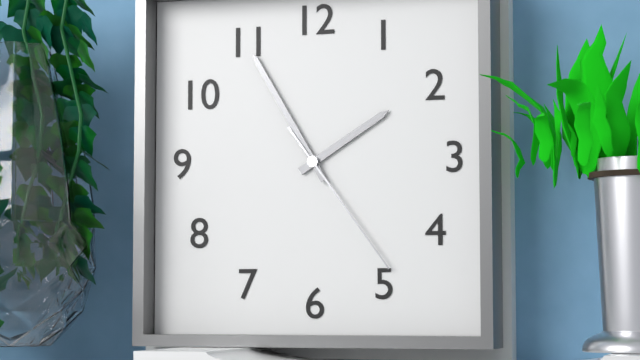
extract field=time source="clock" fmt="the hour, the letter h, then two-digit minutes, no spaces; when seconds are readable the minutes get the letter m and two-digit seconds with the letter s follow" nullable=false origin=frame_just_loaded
1h55m24s
